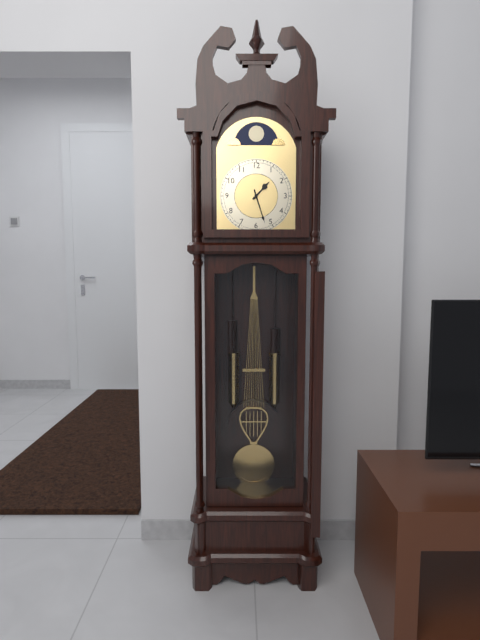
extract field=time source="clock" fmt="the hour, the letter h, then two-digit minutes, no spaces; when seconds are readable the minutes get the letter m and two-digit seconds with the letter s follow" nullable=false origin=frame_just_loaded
1h27
